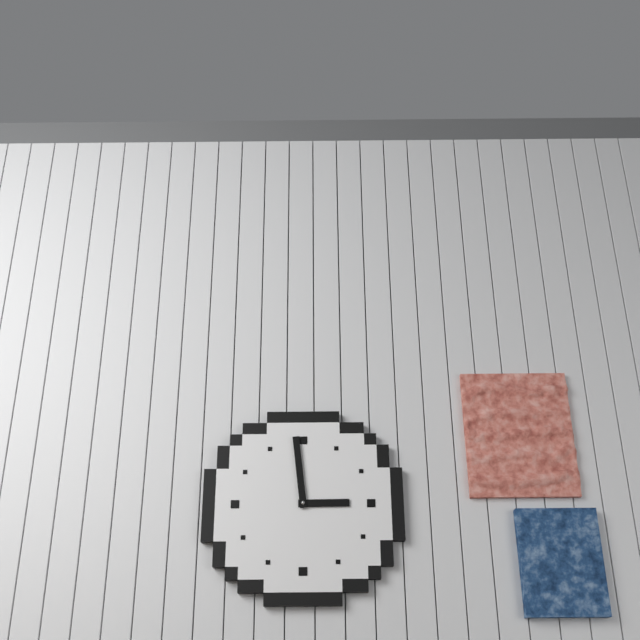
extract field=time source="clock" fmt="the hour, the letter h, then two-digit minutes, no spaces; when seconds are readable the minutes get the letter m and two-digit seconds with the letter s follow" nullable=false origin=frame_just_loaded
2h59
